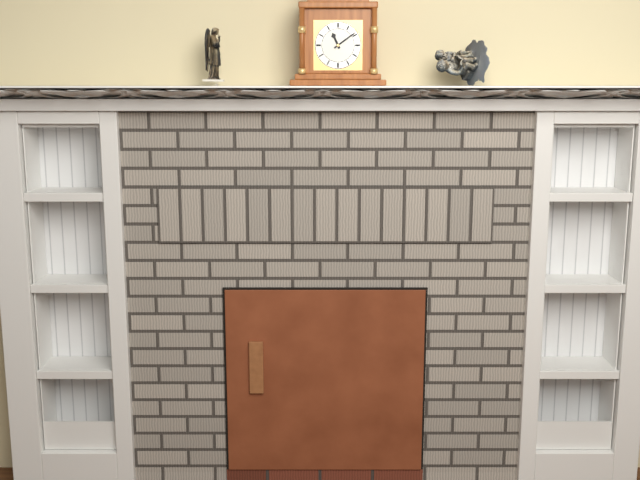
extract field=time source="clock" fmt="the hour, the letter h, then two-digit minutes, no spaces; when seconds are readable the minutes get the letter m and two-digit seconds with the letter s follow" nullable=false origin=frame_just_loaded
11h09
